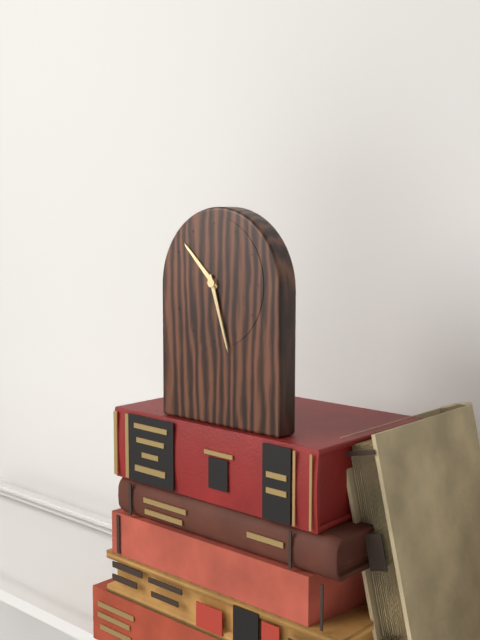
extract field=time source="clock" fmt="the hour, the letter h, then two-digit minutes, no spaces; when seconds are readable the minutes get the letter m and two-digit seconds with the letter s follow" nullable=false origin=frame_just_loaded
10h27
